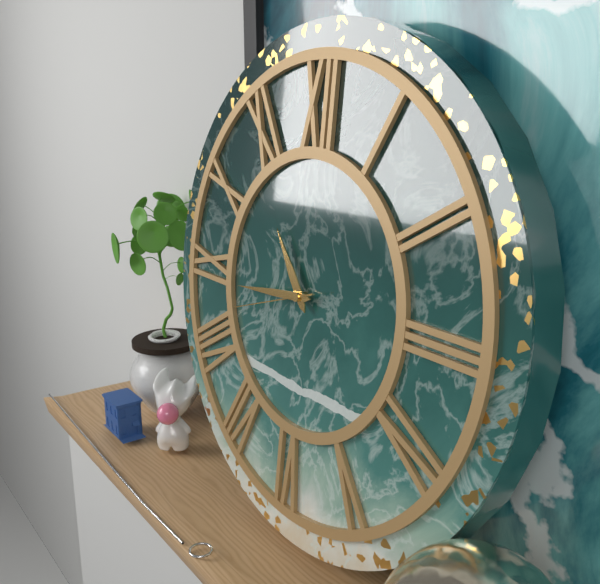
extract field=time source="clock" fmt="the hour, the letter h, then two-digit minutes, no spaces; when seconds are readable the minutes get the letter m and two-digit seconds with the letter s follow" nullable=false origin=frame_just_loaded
10h44m42s
